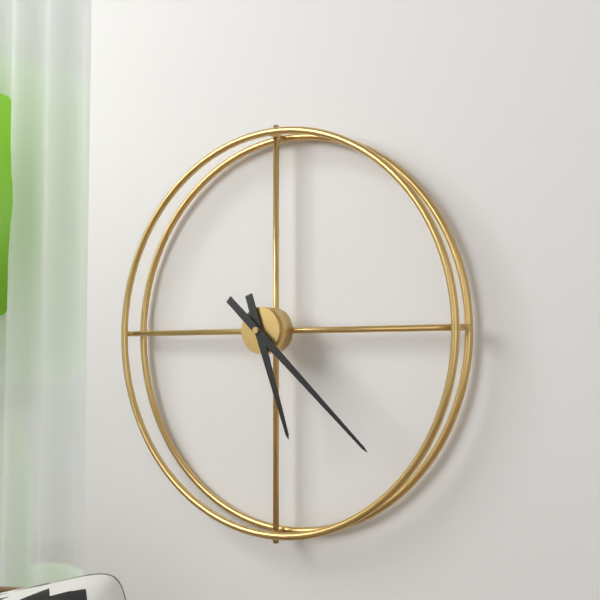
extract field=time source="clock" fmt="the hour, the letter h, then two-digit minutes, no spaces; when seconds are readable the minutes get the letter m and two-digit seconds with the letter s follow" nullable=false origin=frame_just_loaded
5h22
